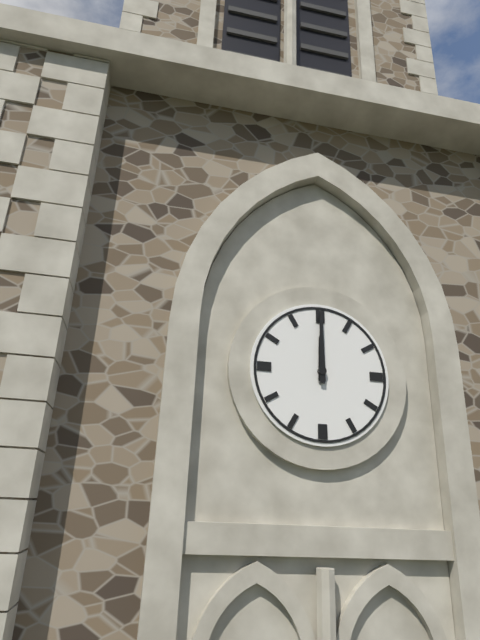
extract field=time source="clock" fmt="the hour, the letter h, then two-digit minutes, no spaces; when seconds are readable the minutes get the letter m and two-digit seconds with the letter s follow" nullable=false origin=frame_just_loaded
12h00
